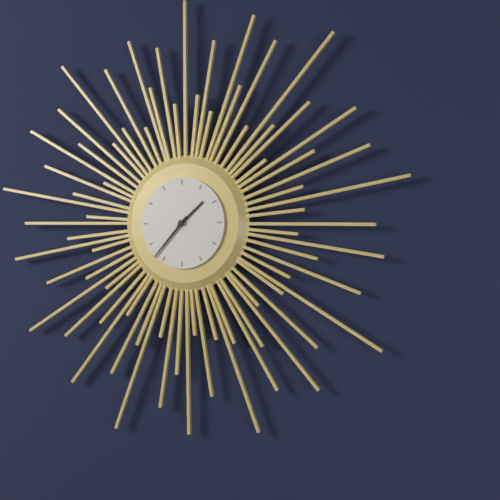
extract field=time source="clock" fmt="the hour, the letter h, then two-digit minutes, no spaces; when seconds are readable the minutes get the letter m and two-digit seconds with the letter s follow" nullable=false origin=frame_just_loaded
1h37
